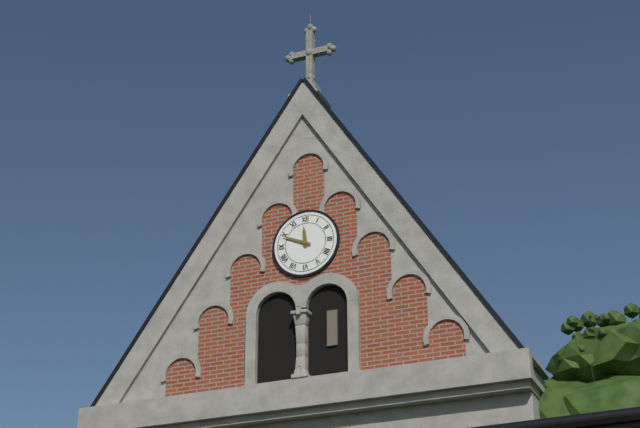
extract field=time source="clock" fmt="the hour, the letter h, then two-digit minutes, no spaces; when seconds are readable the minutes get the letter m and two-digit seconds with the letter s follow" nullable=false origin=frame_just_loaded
11h49
